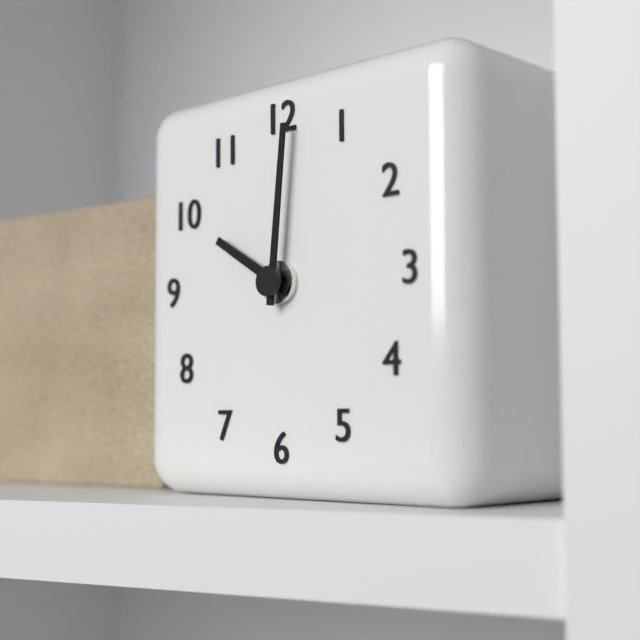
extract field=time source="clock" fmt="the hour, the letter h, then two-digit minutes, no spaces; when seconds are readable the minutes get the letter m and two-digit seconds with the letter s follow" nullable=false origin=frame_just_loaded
10h01
